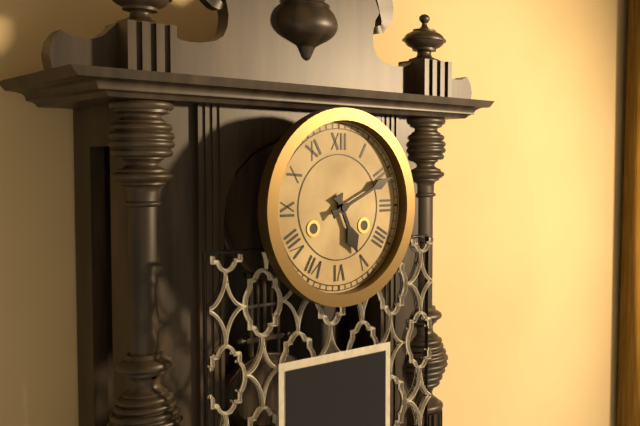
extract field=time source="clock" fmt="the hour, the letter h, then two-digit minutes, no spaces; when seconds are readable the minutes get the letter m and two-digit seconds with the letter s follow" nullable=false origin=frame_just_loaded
5h11
